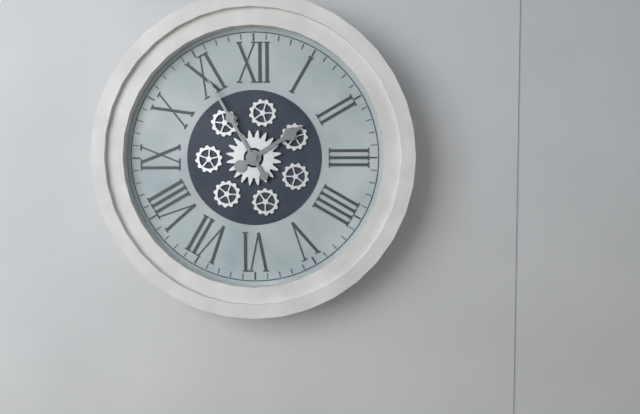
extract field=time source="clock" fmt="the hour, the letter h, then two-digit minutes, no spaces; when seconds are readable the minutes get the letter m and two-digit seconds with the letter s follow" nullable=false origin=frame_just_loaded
1h55
